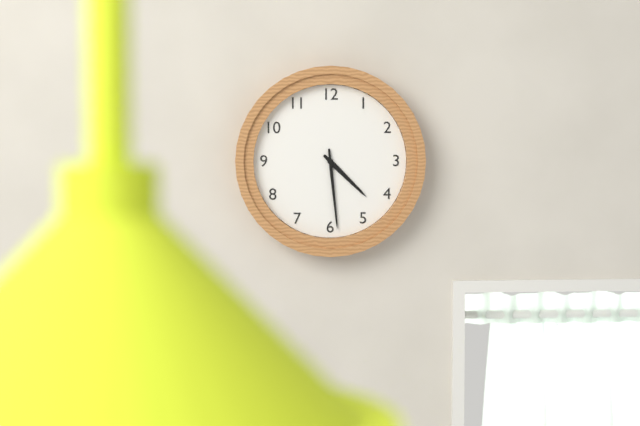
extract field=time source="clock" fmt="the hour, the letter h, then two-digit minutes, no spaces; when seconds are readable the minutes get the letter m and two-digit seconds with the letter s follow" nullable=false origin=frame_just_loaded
4h29
